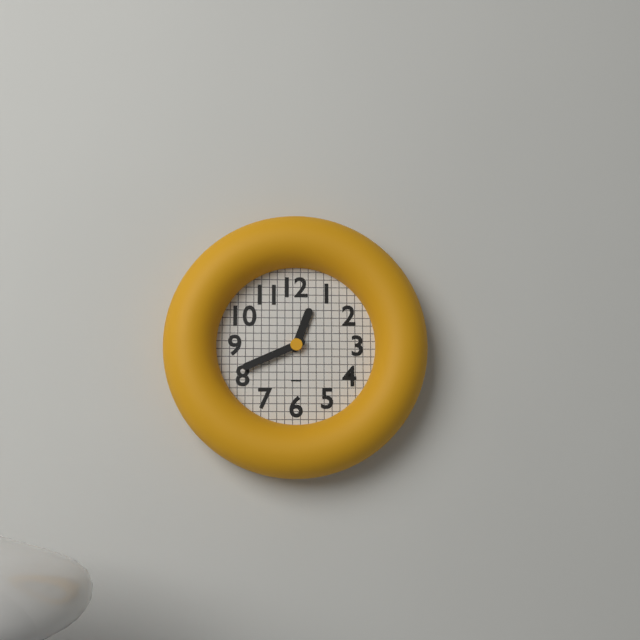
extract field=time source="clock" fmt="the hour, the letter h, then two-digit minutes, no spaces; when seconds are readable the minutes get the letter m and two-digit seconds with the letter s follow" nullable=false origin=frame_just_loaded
12h41
